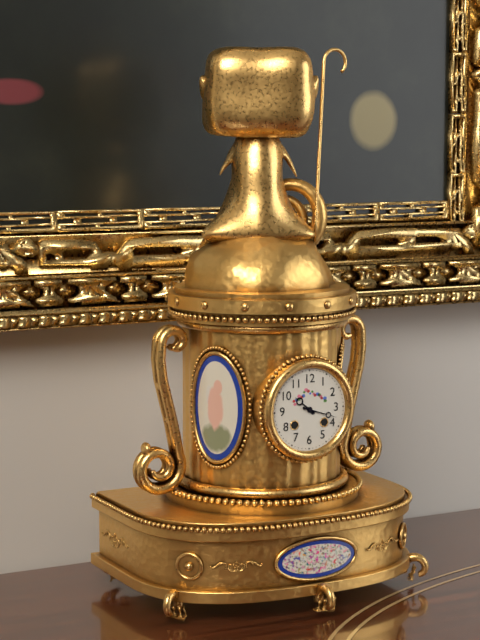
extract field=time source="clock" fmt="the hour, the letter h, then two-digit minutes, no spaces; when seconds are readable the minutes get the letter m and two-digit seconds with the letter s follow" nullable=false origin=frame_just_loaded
10h18
